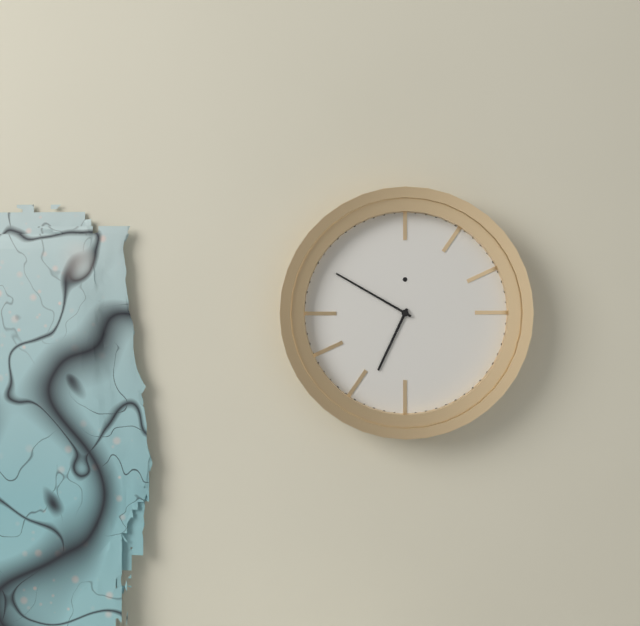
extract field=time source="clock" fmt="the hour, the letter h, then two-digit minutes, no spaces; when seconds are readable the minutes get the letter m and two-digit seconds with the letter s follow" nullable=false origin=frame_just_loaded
6h50
